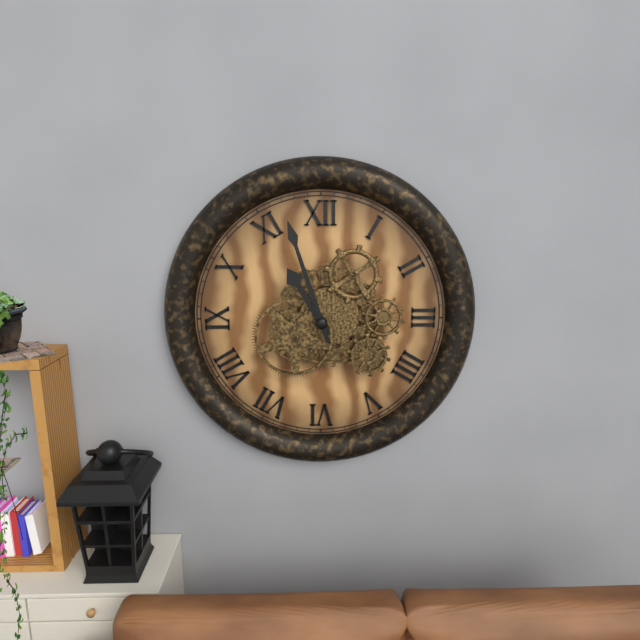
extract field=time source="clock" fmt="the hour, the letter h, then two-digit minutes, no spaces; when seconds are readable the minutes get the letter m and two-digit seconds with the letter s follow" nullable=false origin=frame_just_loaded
10h57
